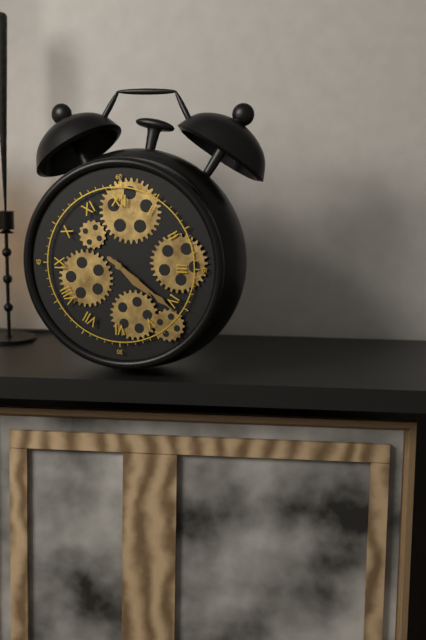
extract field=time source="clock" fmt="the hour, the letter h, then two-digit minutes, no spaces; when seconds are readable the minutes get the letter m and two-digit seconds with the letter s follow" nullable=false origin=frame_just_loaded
4h21
